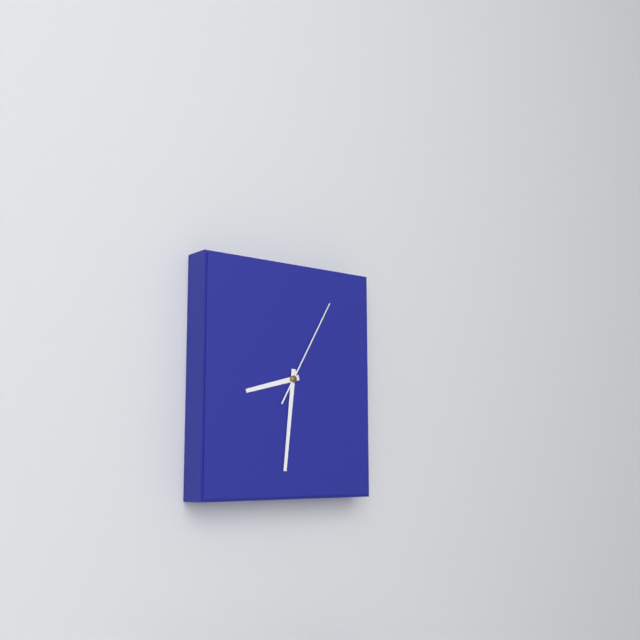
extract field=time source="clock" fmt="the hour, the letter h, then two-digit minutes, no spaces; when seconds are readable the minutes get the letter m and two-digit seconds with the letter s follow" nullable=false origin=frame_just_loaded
8h31m05s
